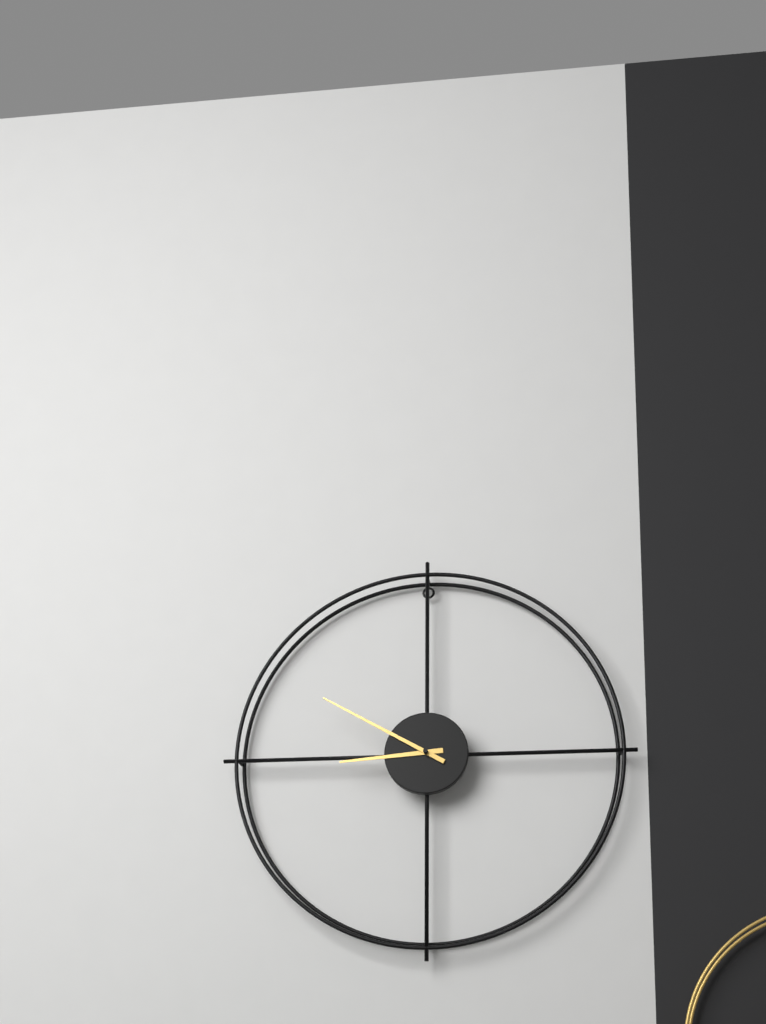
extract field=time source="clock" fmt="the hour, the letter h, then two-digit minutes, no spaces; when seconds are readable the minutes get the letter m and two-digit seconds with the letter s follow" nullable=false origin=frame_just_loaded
8h50
